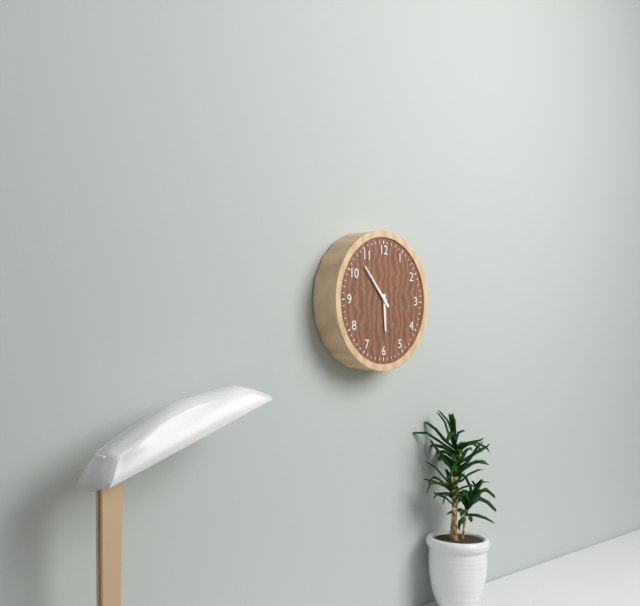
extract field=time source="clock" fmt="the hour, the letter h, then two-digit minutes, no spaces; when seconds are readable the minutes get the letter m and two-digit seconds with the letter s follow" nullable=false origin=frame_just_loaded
5h53
